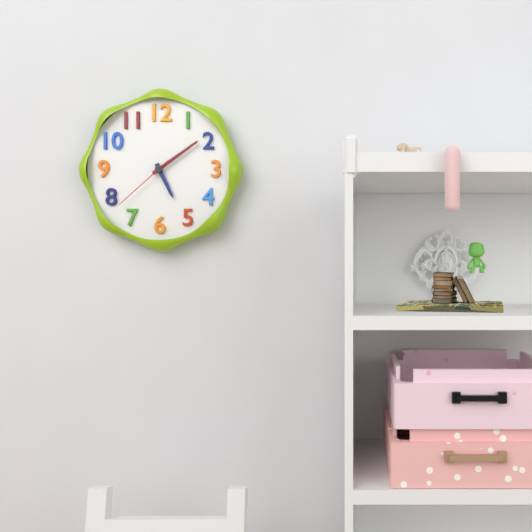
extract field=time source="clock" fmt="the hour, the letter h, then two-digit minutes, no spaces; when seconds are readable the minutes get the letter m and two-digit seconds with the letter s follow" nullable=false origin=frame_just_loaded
5h09m38s
